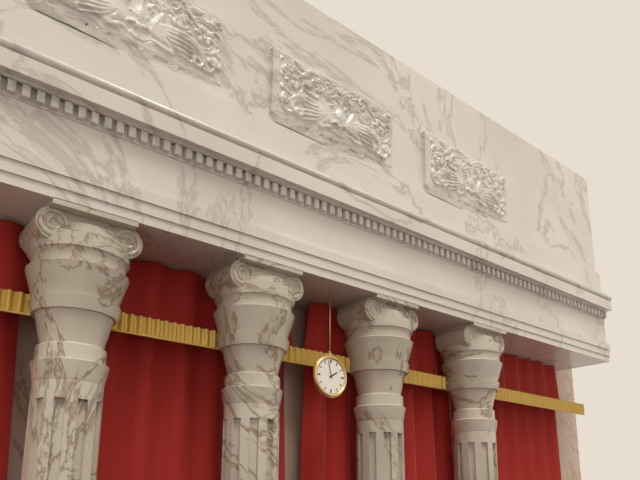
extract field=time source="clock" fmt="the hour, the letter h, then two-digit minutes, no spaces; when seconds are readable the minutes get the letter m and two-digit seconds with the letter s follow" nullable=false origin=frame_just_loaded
1h58
